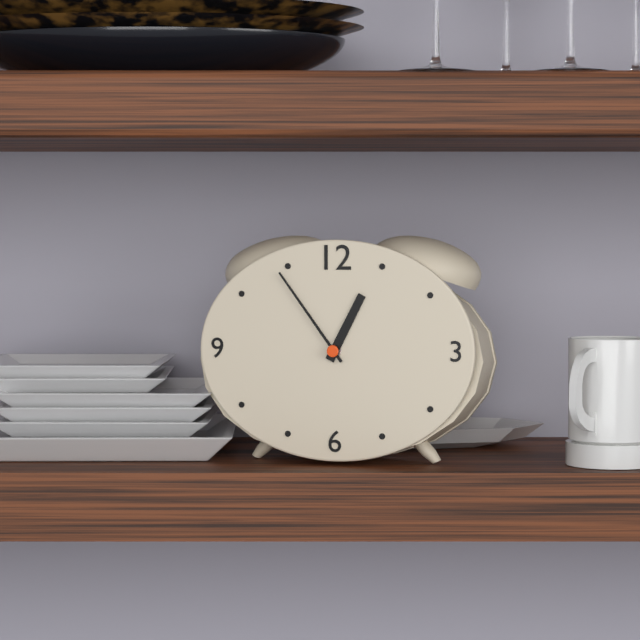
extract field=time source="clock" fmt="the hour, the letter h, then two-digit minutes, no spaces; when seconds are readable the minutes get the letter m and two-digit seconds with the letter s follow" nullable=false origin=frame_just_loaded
12h54
